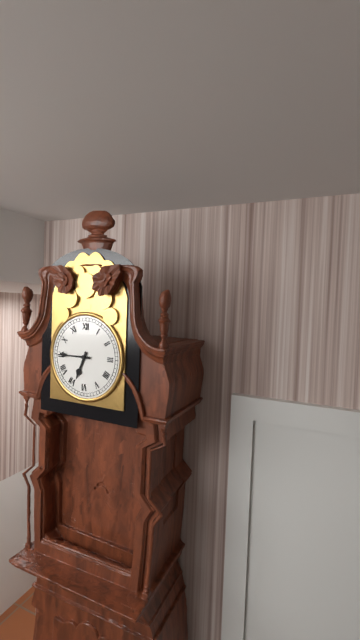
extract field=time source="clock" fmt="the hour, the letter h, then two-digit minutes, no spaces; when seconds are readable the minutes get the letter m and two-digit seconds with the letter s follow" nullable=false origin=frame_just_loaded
6h45
